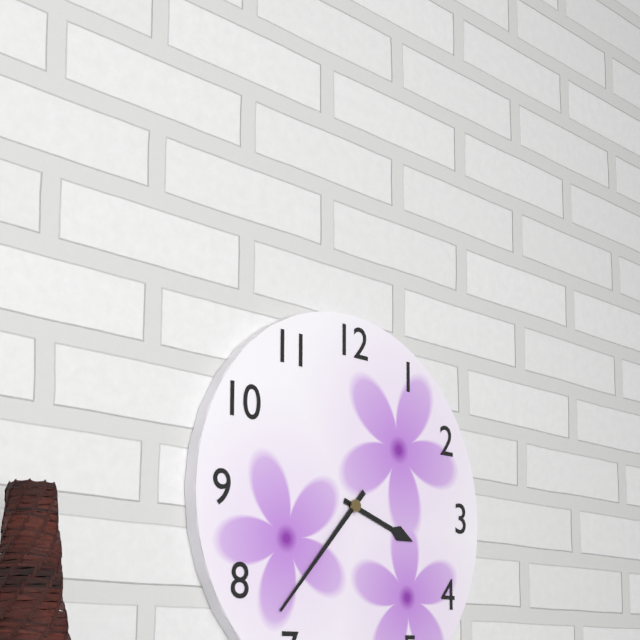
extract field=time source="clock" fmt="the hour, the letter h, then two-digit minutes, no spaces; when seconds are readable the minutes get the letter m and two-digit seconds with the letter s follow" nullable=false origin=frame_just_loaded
3h37
